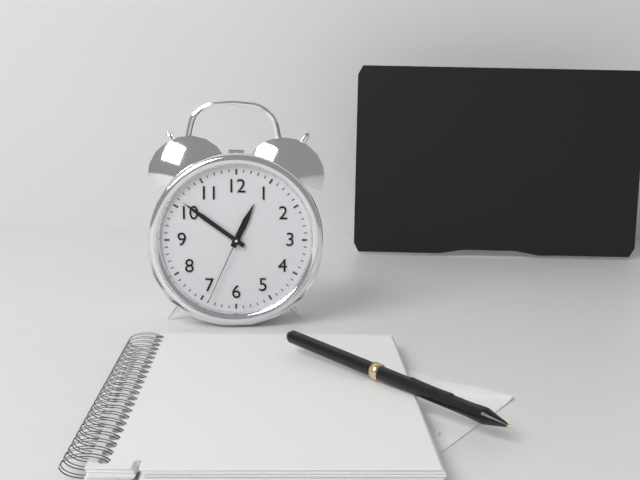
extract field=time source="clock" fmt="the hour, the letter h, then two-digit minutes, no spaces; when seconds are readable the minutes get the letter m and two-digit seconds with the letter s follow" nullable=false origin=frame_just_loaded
12h51m34s
